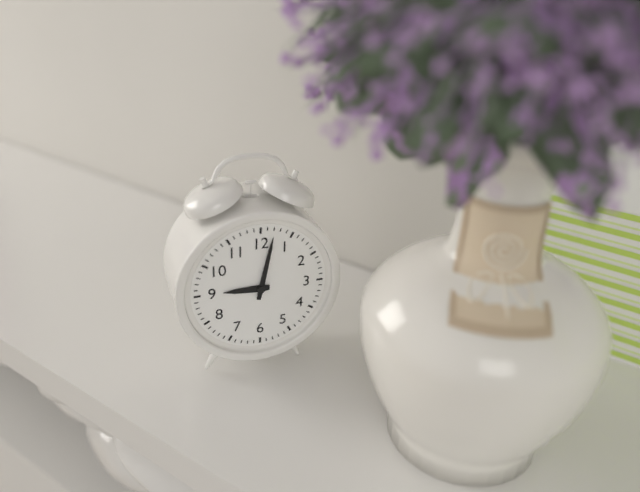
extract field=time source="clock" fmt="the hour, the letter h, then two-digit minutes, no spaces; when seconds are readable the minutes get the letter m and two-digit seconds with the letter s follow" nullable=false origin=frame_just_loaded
9h02
